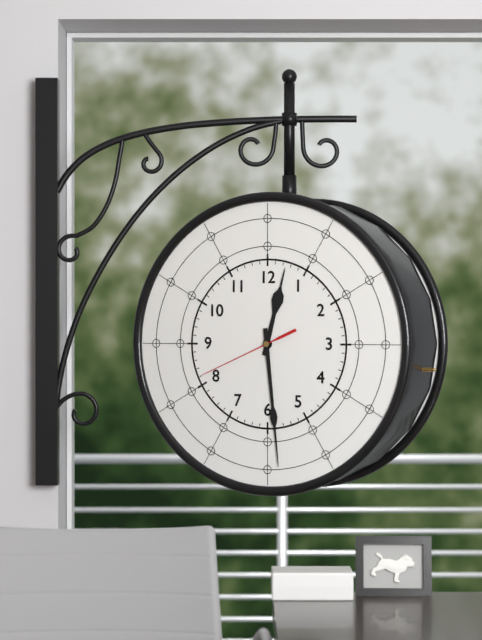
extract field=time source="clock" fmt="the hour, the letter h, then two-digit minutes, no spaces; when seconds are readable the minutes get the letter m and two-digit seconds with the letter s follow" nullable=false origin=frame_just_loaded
12h29m41s
